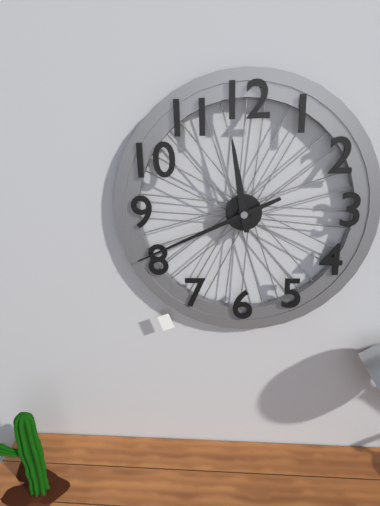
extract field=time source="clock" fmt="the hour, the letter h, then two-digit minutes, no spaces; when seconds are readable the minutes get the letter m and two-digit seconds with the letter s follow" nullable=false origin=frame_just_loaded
11h41
